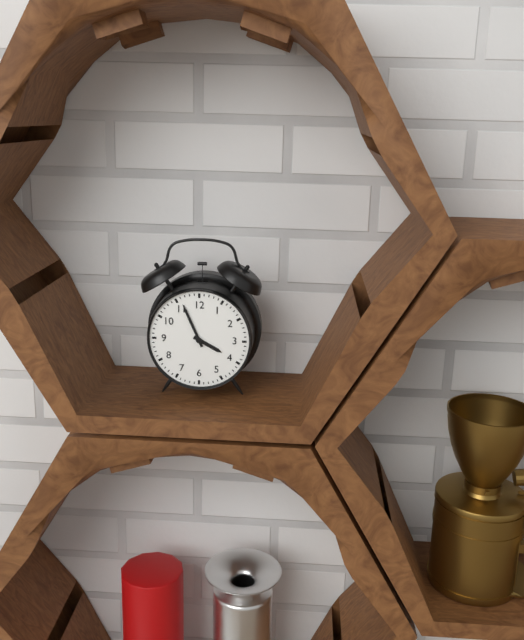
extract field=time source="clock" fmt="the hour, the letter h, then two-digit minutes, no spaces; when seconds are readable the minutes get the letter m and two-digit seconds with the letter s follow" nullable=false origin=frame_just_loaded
3h56
